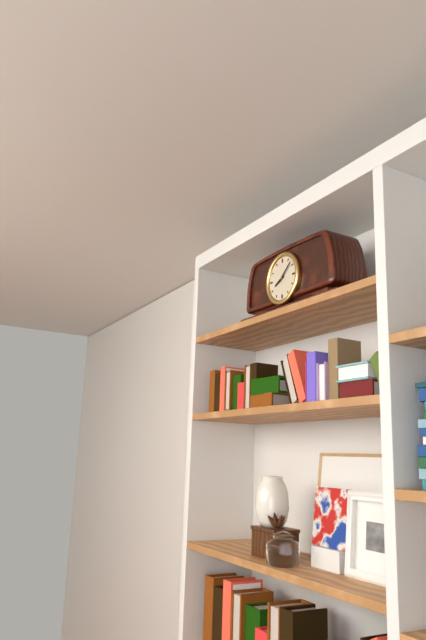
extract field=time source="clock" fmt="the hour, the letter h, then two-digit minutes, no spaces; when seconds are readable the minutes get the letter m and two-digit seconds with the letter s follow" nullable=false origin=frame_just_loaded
8h08
